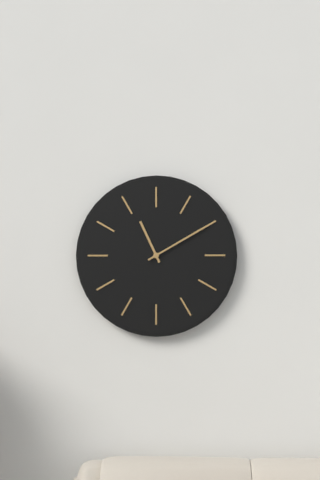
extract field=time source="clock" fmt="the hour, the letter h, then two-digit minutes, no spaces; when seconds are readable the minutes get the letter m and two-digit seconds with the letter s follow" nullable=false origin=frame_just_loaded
11h10
